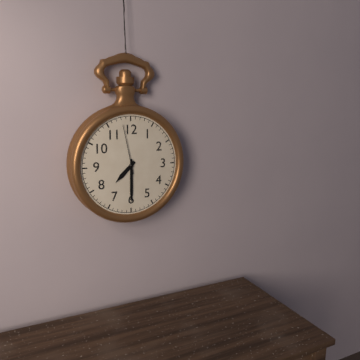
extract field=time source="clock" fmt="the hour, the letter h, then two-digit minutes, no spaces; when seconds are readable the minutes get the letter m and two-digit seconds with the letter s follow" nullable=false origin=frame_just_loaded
7h30m58s
